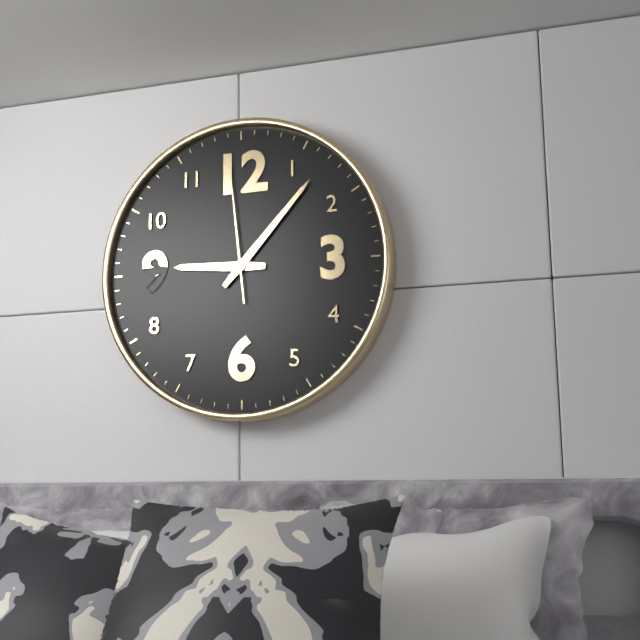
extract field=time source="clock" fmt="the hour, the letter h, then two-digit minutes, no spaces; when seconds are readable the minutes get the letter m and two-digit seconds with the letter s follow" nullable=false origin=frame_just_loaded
9h07m59s
